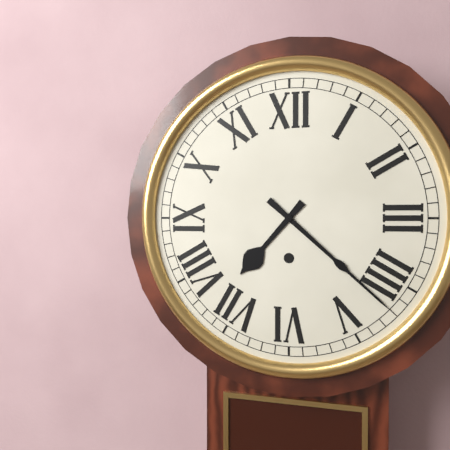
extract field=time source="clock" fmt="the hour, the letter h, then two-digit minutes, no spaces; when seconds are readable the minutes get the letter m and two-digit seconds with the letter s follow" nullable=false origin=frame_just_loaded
7h22
